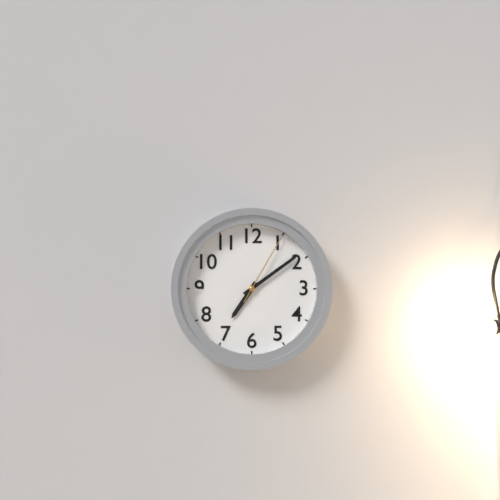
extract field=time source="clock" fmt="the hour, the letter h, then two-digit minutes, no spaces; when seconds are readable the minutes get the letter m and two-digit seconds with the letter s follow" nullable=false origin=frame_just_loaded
7h09m05s
